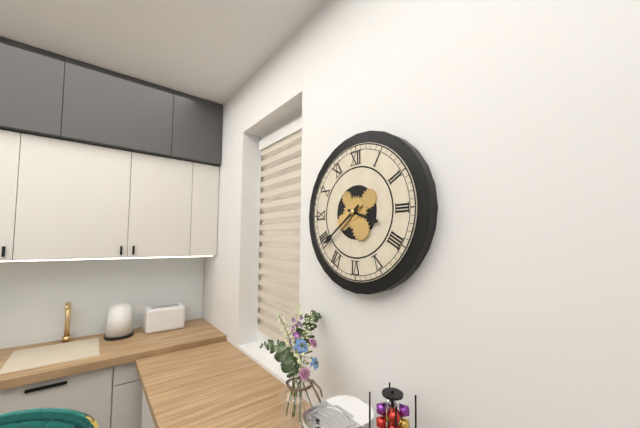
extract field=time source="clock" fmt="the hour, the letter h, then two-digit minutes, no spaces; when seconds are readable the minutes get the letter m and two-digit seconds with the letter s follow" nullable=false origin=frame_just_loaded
3h39
